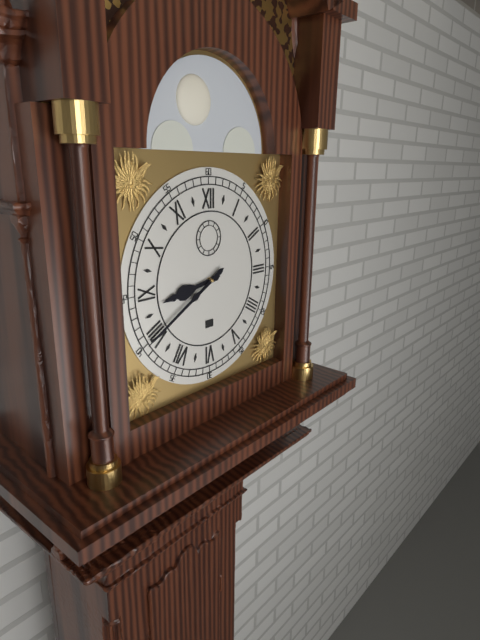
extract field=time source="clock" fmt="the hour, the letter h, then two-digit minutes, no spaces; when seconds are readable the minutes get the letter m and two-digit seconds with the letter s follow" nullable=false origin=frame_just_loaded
8h40
